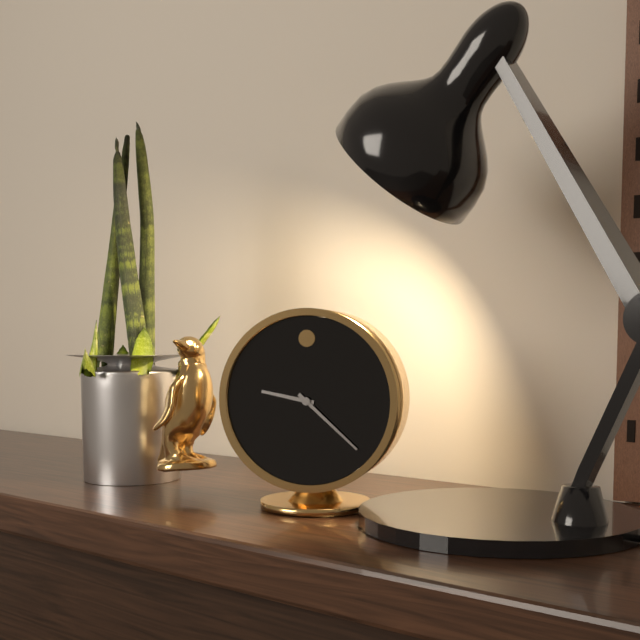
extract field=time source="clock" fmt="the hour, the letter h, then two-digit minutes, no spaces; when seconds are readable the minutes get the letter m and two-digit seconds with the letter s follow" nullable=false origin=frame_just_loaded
9h22
